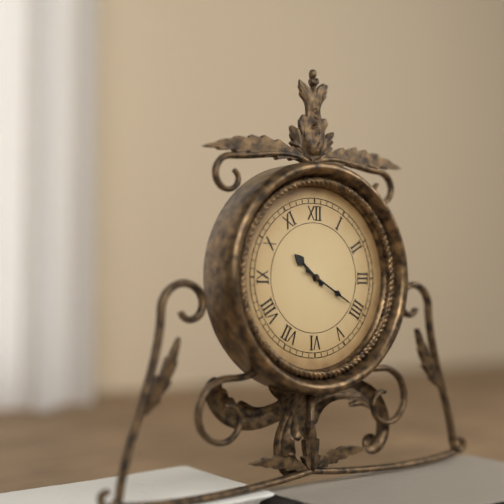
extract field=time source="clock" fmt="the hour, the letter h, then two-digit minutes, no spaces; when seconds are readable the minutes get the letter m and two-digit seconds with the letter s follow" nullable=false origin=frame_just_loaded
10h20
